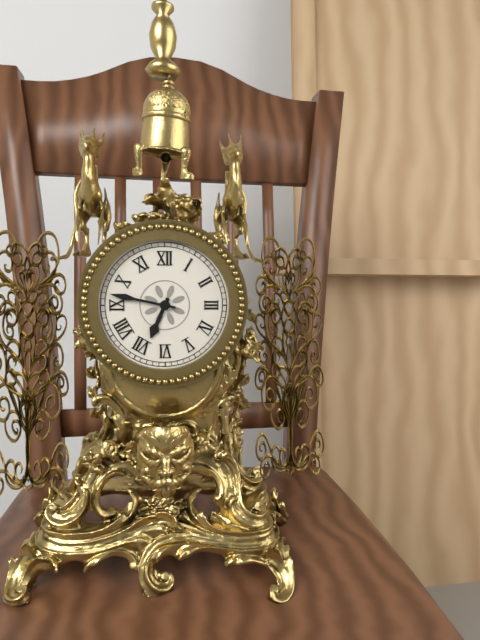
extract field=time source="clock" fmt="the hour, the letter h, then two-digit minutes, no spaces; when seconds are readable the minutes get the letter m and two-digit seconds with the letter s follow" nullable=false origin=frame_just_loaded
6h47
